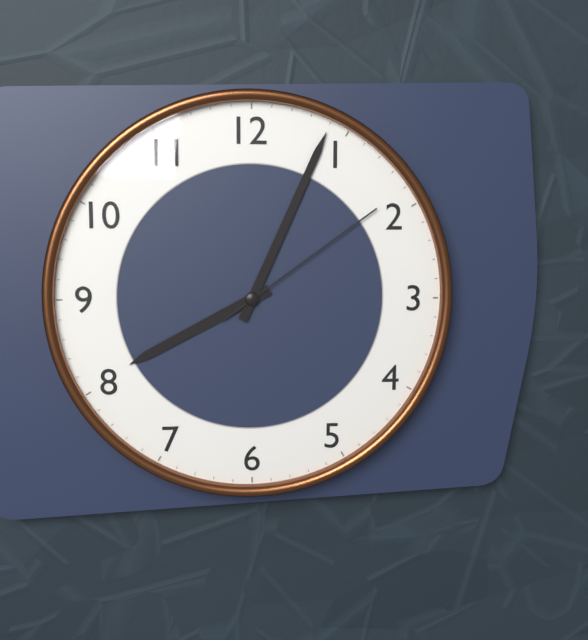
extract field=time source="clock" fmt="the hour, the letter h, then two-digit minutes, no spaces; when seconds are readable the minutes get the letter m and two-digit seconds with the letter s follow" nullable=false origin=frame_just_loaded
8h04m09s
